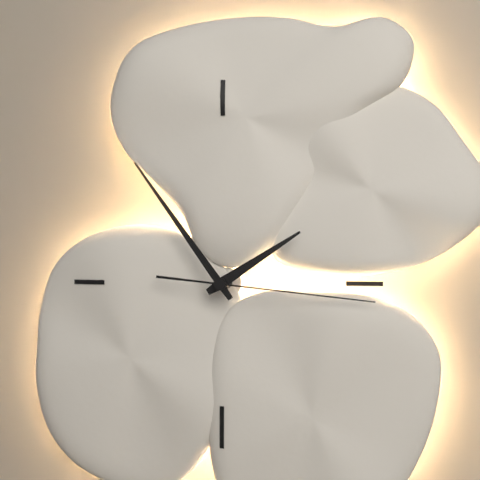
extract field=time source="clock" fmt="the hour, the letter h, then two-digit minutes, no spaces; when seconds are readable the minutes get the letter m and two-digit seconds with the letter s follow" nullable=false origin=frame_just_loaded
1h54m16s
